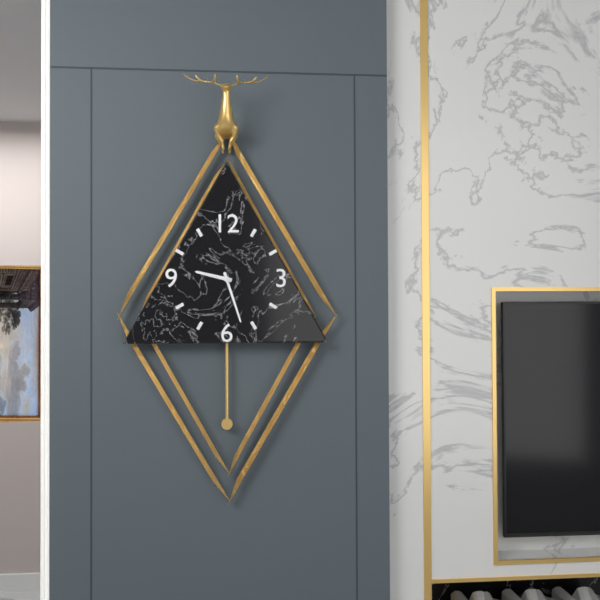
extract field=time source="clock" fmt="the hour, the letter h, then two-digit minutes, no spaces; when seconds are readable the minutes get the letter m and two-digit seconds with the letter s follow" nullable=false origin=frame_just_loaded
9h27
